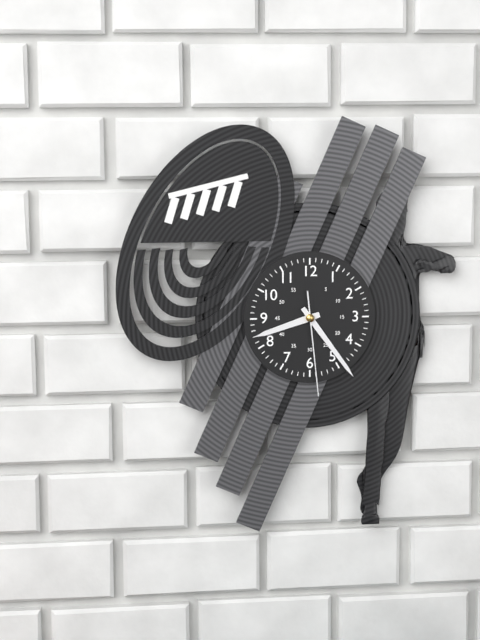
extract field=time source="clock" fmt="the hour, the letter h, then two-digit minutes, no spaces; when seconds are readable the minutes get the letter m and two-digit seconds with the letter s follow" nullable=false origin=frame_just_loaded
8h24m29s
